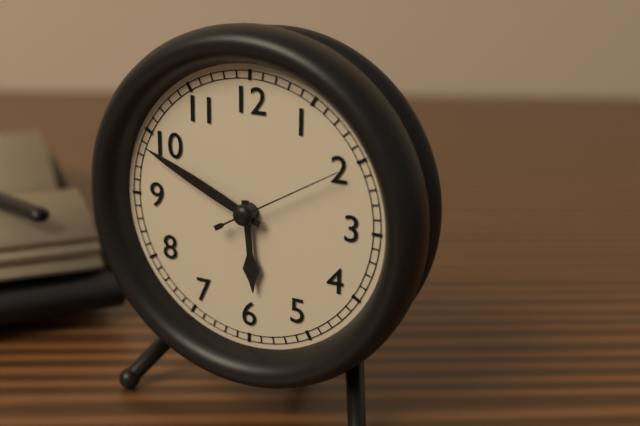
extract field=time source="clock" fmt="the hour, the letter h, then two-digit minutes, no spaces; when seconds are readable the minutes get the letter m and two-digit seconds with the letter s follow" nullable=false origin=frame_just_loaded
5h49m10s
